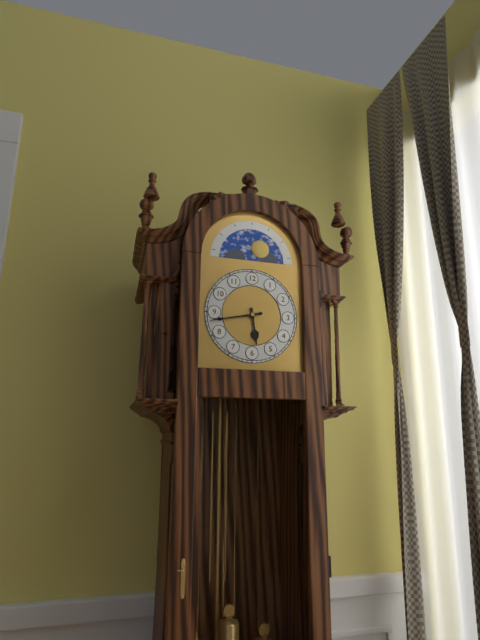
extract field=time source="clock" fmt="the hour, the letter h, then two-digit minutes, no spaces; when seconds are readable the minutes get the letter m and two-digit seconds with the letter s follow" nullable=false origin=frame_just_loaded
5h43
